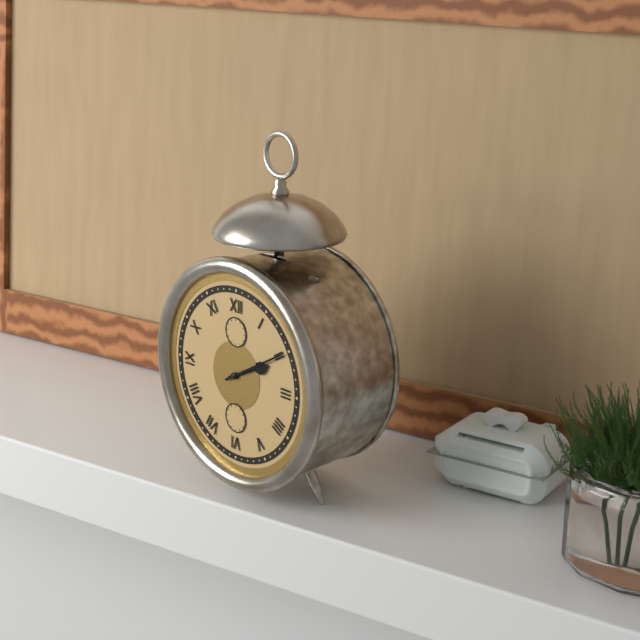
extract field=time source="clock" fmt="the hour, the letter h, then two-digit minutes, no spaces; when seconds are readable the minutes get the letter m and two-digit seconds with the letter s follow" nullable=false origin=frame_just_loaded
2h10
